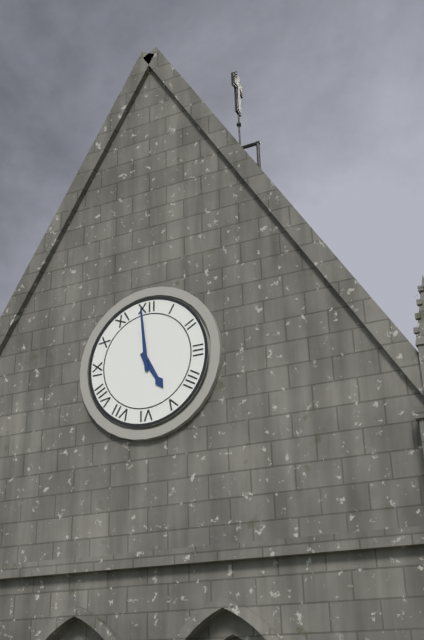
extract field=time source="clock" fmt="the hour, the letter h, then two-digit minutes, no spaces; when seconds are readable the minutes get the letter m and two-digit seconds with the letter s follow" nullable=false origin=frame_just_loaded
4h59
